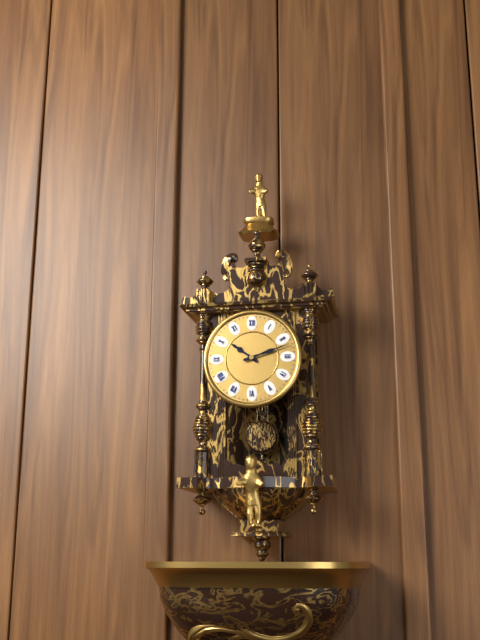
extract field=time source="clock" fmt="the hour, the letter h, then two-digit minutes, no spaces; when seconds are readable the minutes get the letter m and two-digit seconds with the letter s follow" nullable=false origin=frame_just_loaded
10h12
